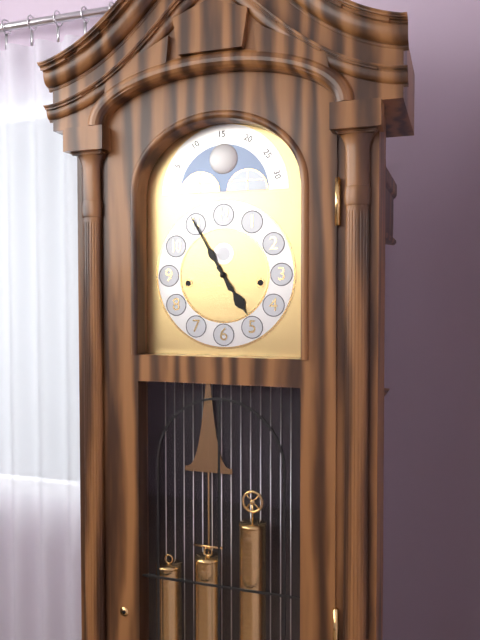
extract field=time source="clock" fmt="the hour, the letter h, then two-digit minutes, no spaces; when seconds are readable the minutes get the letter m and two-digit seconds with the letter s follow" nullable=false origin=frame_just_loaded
4h55
